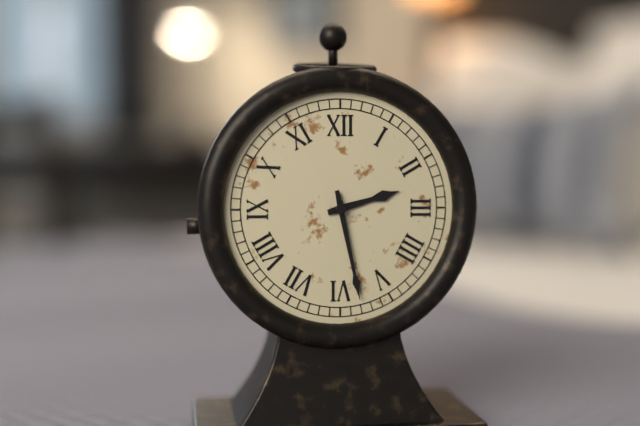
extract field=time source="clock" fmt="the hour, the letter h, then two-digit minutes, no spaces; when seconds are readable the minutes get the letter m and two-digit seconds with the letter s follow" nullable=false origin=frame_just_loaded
2h28
